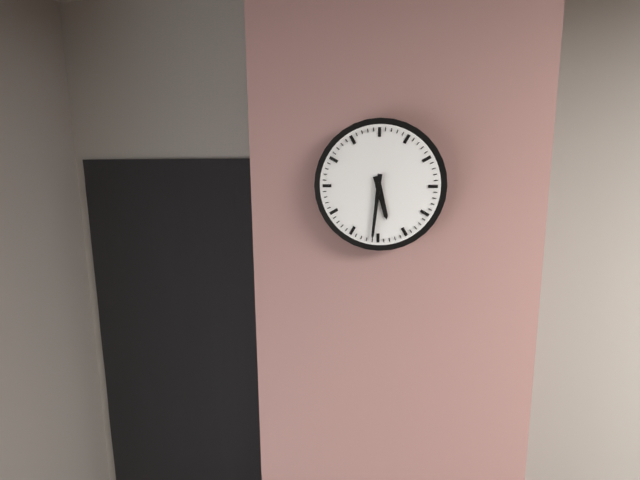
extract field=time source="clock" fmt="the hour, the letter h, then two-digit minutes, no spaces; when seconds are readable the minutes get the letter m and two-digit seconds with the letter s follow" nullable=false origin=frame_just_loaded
5h31
